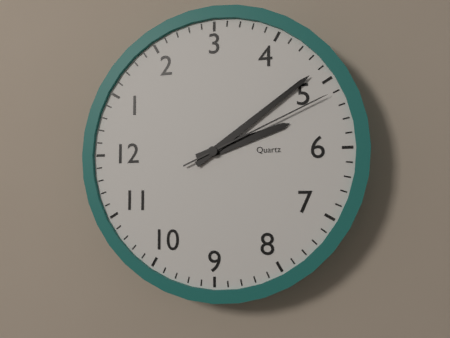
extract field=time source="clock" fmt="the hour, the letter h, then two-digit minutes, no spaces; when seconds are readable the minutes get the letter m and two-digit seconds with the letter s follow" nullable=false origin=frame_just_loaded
5h24m26s
